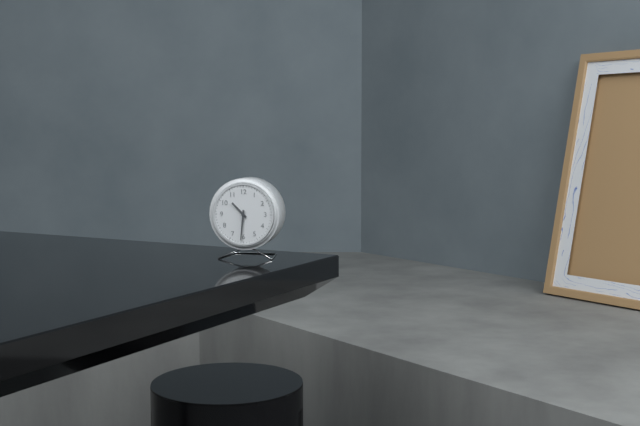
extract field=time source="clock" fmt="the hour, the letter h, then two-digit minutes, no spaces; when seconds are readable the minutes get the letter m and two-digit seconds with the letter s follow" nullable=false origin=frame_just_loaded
10h31
